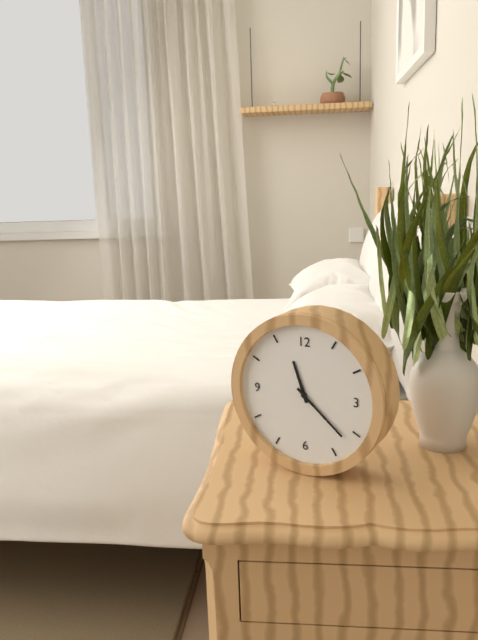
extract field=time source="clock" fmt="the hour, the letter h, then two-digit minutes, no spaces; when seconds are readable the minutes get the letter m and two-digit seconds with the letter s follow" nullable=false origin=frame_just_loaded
11h22
